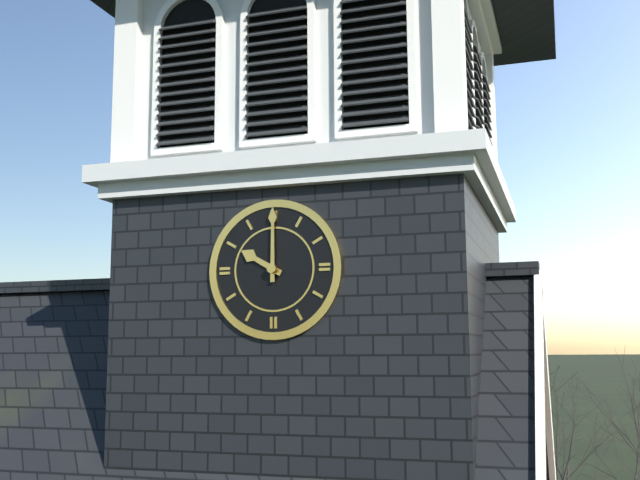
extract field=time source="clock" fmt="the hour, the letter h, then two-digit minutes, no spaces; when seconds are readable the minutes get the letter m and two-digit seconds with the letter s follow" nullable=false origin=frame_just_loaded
10h00
